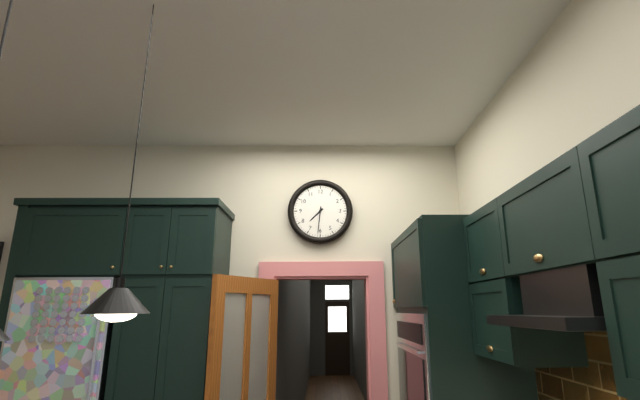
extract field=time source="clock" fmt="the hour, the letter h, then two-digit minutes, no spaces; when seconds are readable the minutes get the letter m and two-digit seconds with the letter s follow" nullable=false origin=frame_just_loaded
7h31
